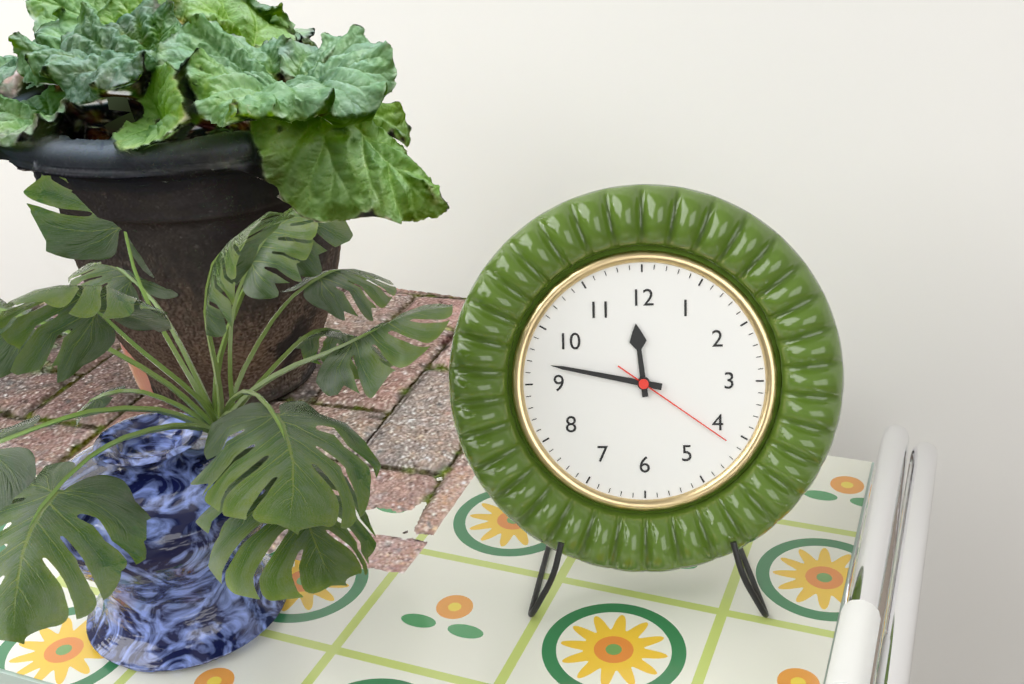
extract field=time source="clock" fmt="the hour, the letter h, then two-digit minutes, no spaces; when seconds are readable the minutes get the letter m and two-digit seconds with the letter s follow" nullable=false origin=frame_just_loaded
11h47m21s
